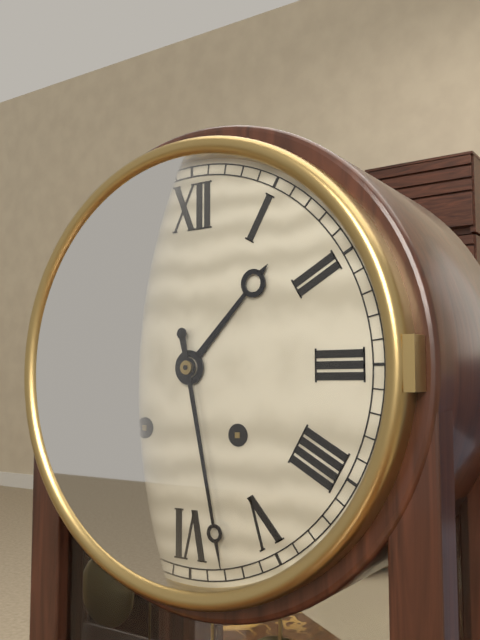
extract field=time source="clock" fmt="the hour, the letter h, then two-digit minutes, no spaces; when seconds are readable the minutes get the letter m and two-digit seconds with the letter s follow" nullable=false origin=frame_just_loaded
1h28
